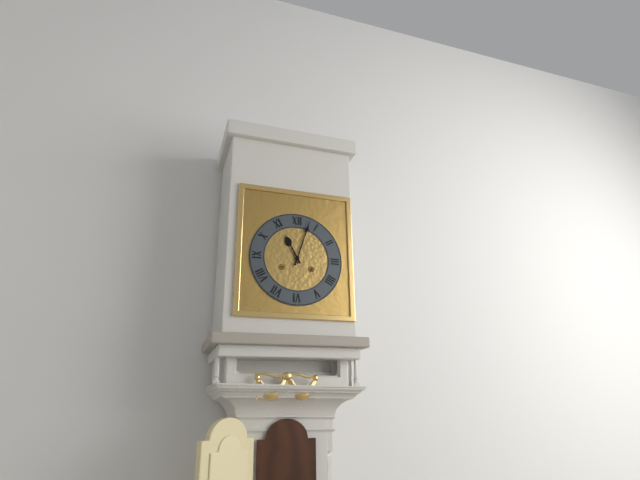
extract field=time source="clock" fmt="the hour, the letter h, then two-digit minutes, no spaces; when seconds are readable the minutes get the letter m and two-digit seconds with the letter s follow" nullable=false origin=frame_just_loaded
11h03
